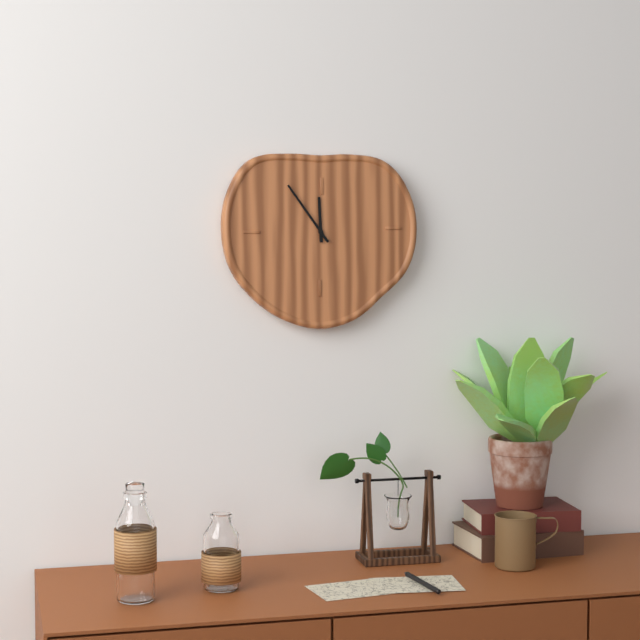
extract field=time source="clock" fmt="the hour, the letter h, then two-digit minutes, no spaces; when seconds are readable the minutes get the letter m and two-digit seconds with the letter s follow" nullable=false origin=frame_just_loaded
11h54
